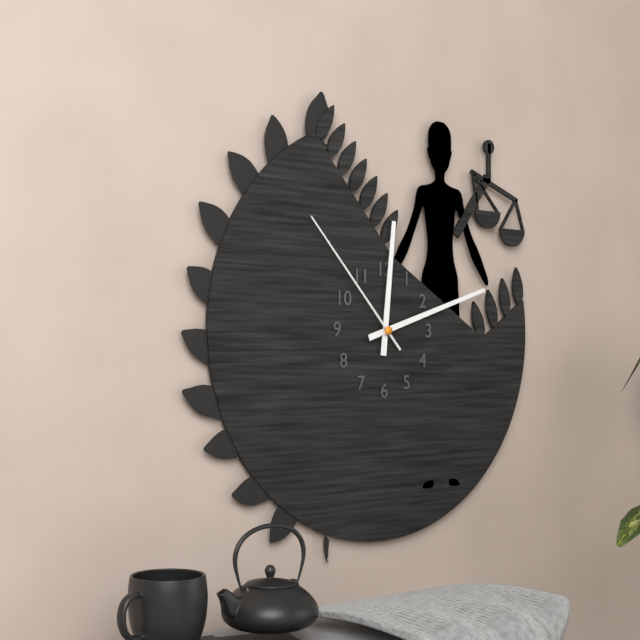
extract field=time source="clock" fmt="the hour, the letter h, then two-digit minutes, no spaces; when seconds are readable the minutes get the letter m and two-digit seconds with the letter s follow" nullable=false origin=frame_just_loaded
12h12m53s
